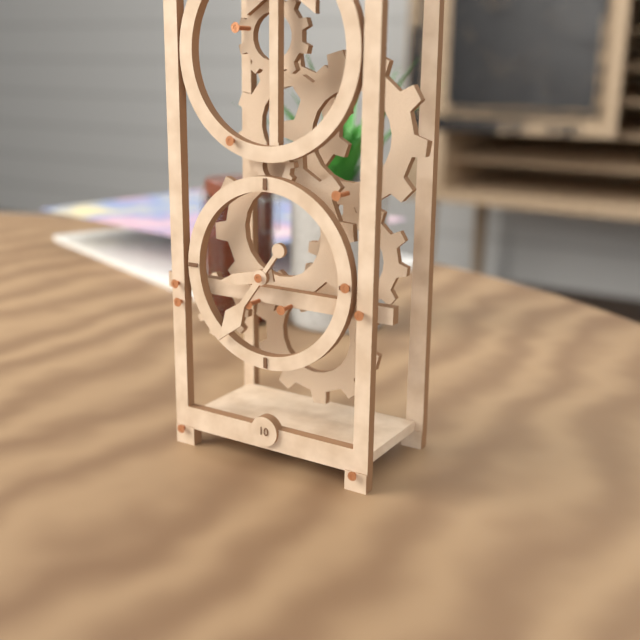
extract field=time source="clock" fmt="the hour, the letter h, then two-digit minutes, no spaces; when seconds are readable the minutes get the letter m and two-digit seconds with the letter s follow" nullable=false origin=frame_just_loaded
8h36
